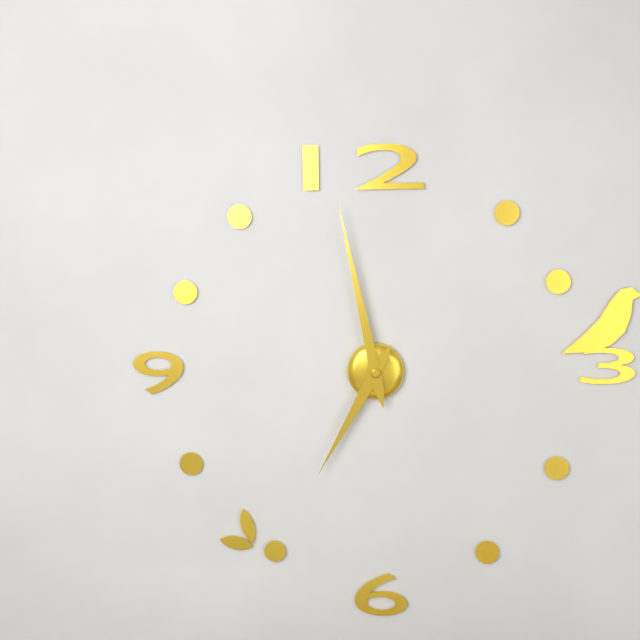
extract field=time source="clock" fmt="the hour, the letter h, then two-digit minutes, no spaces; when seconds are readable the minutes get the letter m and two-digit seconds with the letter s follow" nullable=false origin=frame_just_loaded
6h58
